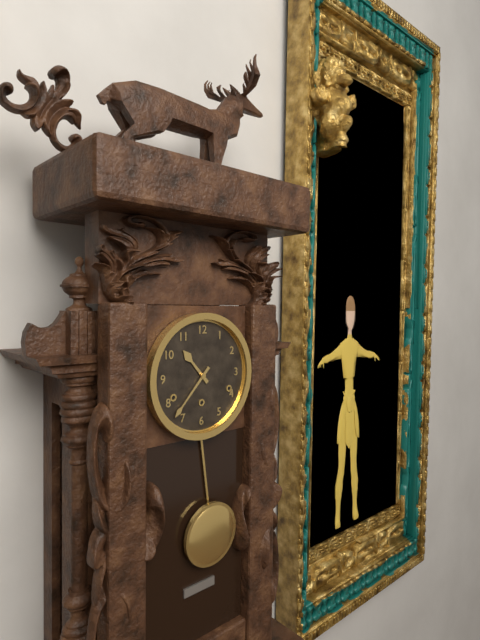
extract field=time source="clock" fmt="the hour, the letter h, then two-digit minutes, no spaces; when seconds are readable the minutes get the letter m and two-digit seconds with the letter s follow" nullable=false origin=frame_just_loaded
10h37
